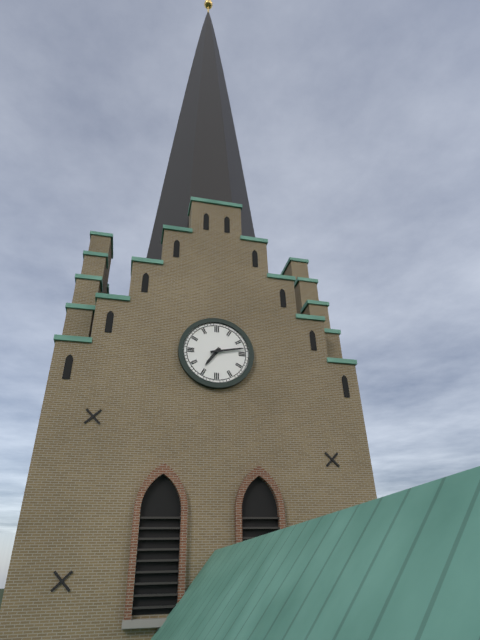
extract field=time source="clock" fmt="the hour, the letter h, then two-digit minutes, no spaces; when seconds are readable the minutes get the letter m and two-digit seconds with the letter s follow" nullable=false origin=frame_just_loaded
7h13
